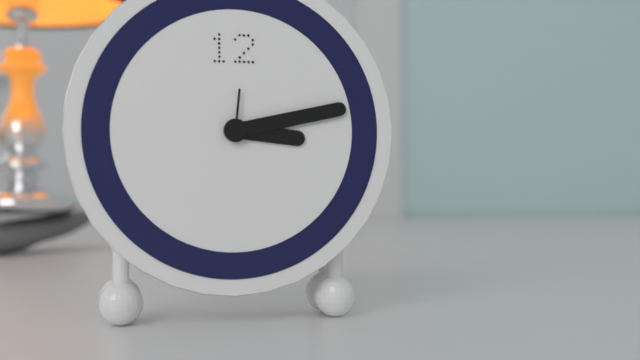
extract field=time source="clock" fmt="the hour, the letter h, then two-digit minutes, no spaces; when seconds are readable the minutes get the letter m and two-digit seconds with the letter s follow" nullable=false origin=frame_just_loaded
3h13m01s
